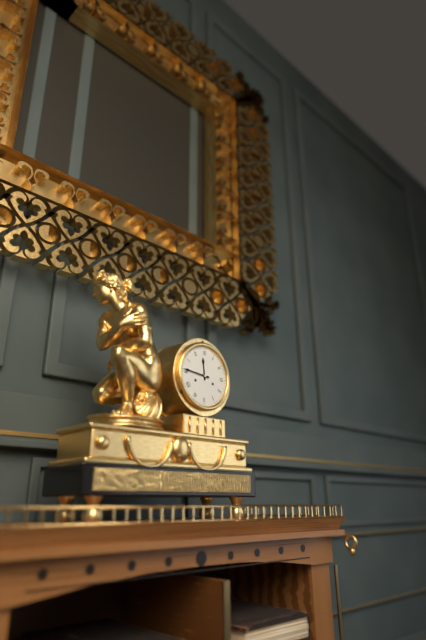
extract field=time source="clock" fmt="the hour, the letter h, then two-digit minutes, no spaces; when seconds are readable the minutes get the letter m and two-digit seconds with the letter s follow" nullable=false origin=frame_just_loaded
11h46
